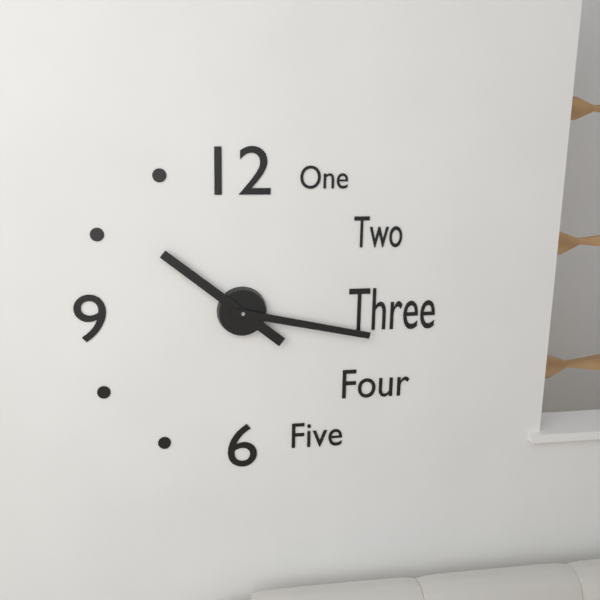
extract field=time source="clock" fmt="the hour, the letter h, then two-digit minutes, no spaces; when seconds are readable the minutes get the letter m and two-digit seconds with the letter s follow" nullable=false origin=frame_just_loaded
10h17
